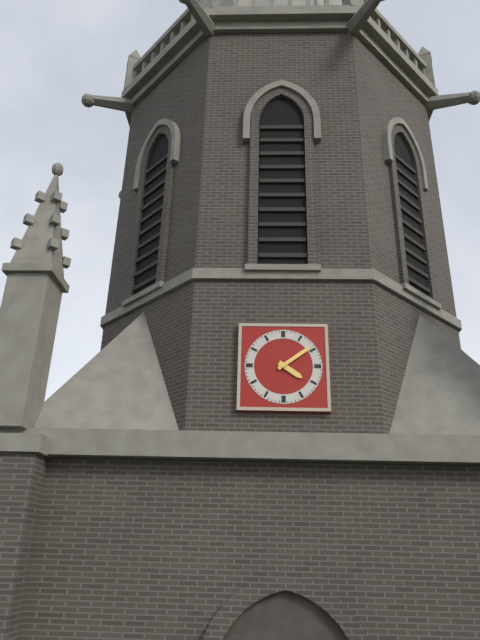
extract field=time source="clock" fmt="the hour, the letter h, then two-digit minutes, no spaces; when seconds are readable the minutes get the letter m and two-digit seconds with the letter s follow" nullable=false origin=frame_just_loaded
4h09
